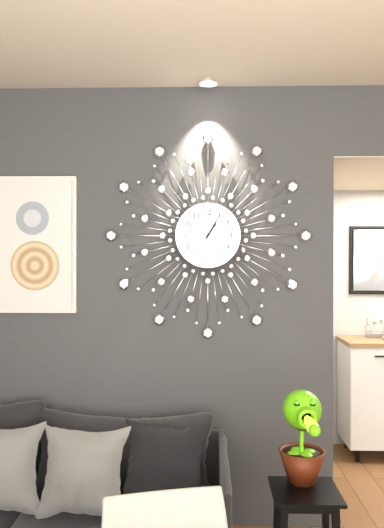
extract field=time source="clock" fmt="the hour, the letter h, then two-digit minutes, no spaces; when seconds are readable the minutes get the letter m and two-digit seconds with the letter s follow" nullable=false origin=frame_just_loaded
1h05
